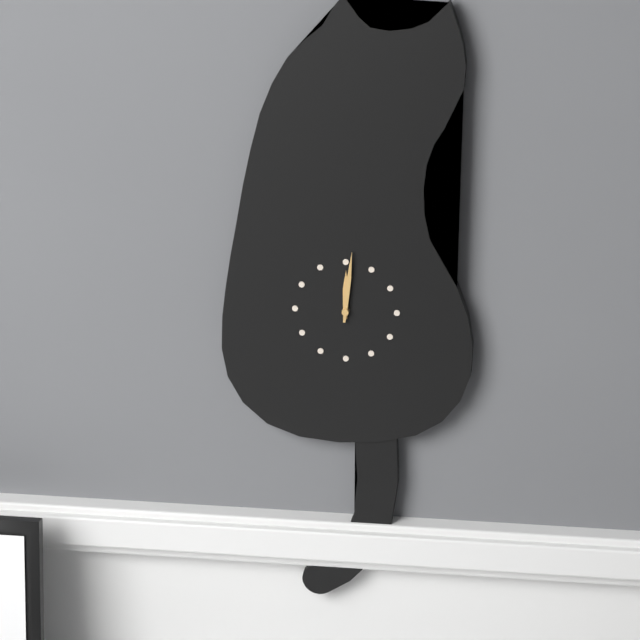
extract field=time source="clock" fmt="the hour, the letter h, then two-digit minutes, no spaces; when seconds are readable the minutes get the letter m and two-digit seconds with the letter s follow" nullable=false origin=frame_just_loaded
12h01
